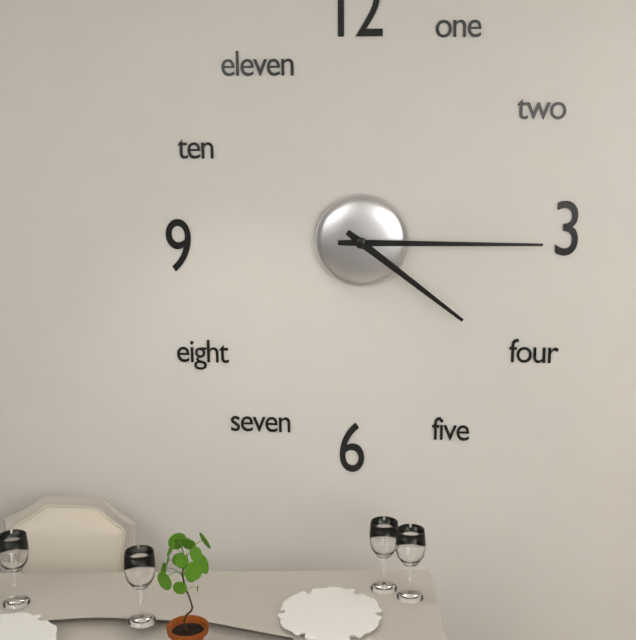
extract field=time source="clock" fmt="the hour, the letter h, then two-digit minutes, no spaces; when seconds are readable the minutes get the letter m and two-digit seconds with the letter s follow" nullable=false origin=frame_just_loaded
4h15
